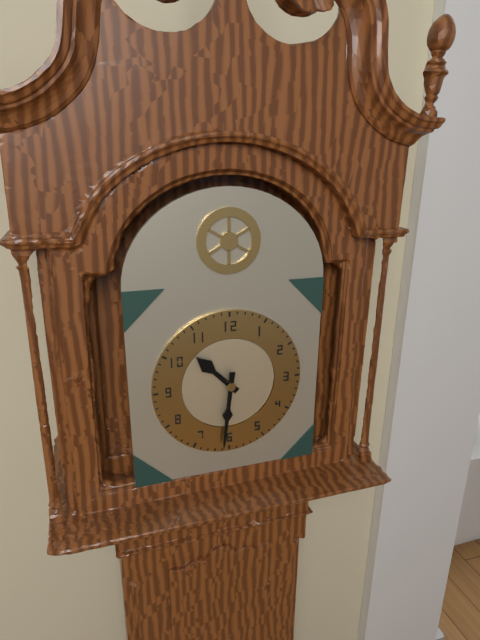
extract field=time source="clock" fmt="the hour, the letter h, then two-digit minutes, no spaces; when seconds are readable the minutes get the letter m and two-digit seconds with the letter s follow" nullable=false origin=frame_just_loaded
10h31
